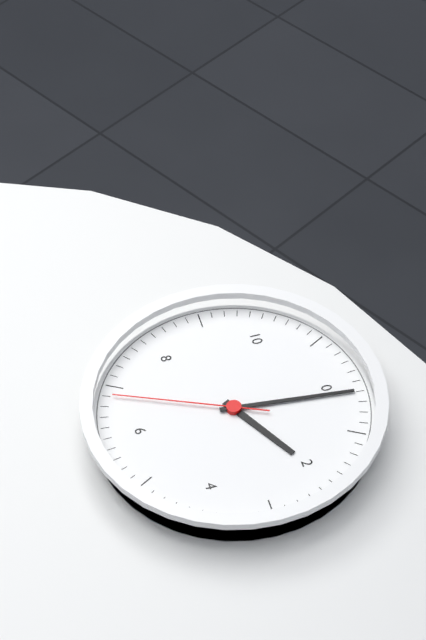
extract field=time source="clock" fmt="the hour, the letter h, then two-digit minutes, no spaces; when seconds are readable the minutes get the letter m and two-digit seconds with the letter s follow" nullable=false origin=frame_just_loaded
2h01m34s
